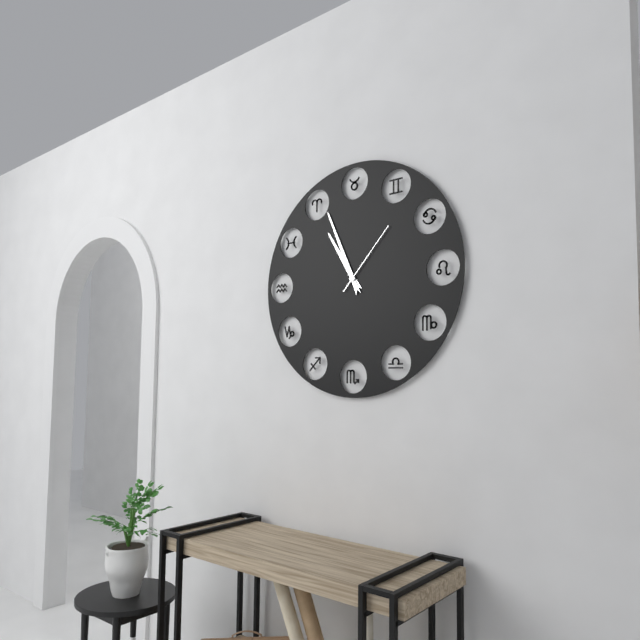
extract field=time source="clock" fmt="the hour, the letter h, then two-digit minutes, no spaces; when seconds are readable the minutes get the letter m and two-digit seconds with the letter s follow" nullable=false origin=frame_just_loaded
10h56m07s
